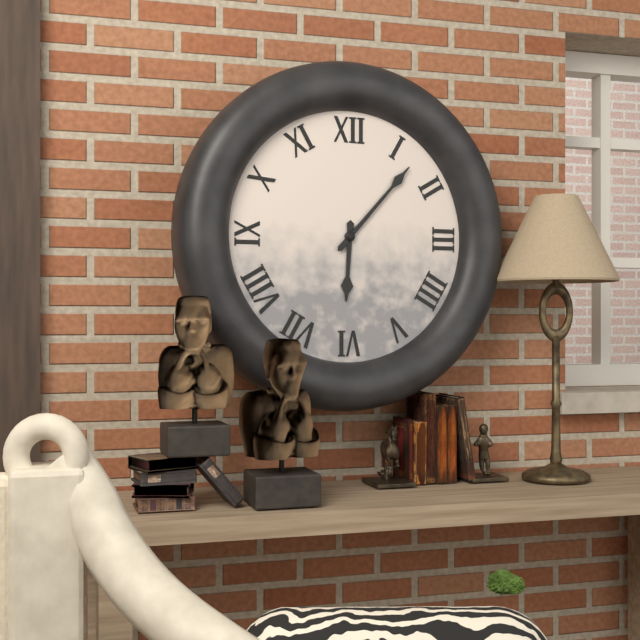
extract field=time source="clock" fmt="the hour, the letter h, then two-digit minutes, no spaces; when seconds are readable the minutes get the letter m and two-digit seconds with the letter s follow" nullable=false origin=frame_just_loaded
6h07
